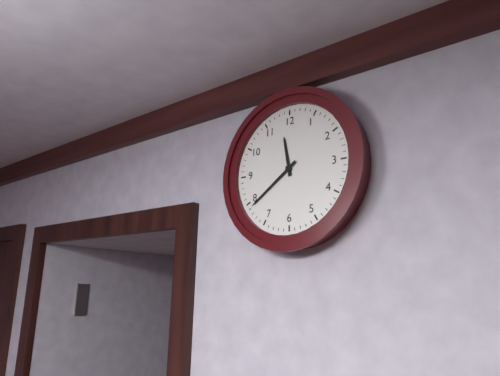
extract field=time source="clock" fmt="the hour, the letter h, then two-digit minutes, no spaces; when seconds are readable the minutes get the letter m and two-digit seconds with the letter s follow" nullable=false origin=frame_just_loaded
11h39
